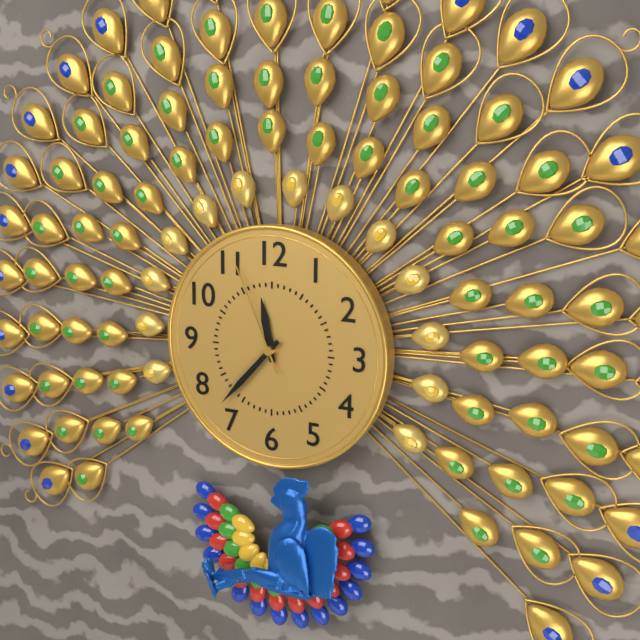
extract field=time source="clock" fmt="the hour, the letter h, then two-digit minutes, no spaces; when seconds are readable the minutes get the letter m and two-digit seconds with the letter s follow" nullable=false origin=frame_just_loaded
11h37m56s
